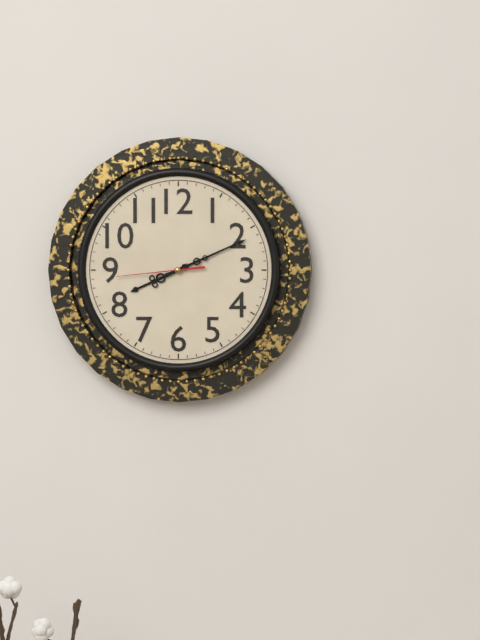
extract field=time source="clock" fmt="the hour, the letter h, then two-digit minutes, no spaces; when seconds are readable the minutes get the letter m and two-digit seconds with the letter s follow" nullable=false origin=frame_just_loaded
8h11m44s
